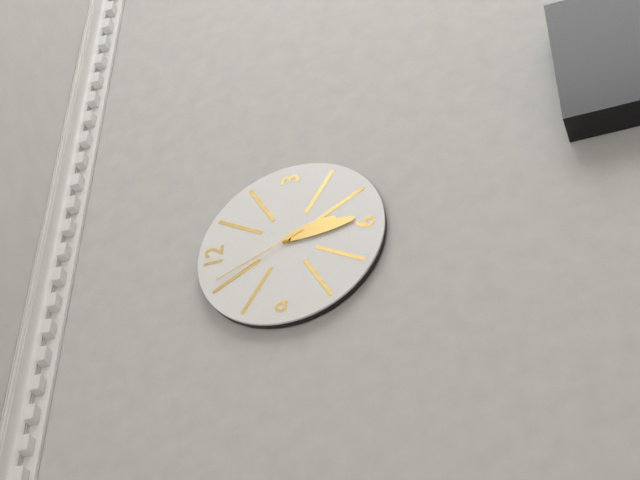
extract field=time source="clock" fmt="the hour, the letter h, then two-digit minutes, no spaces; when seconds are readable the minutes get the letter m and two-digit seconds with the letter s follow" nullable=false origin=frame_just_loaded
5h29m56s
